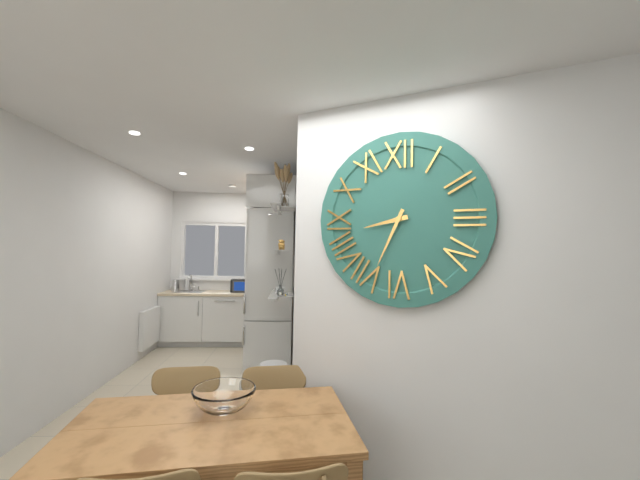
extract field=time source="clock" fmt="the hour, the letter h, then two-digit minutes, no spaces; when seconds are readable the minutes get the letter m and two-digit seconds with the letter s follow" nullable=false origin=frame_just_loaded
8h34
